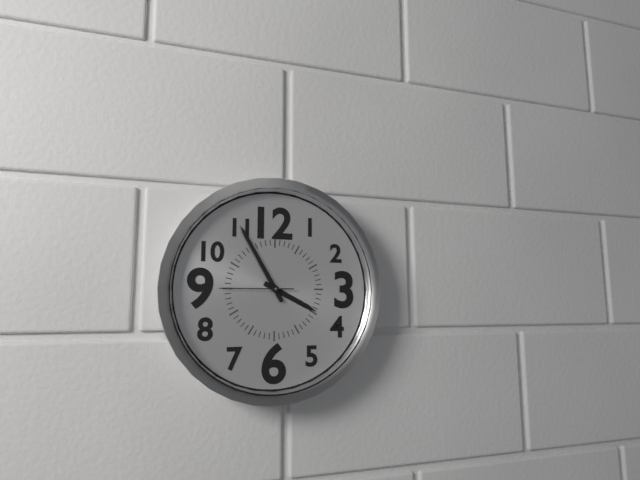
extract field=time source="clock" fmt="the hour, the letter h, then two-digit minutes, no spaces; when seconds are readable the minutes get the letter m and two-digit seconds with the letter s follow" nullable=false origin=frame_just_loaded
3h55m45s
